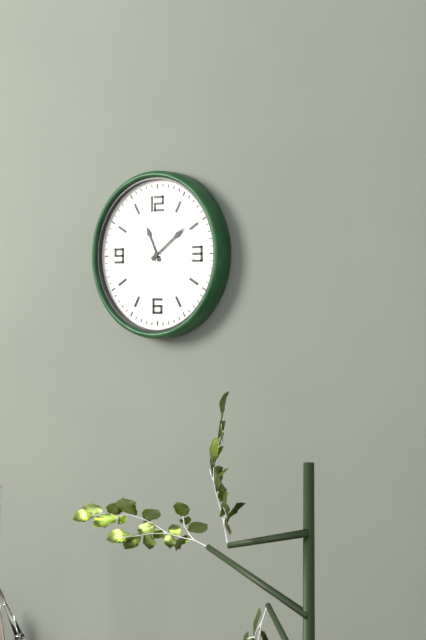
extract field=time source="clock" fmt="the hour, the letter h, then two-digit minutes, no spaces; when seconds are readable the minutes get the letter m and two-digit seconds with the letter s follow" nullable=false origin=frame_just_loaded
11h09
